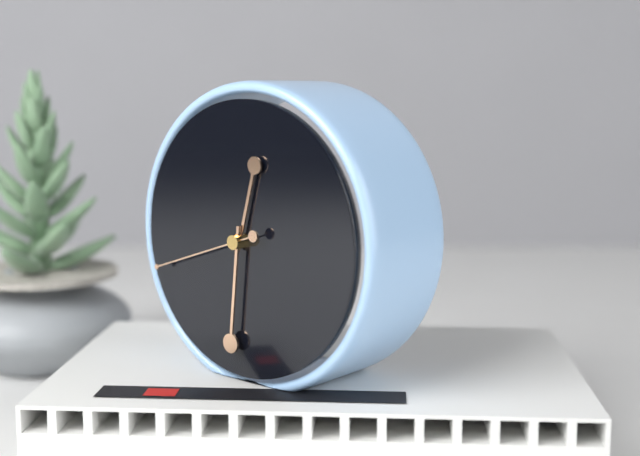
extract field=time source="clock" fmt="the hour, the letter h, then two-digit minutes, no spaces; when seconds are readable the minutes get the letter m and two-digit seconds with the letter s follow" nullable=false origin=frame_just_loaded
12h31m42s
